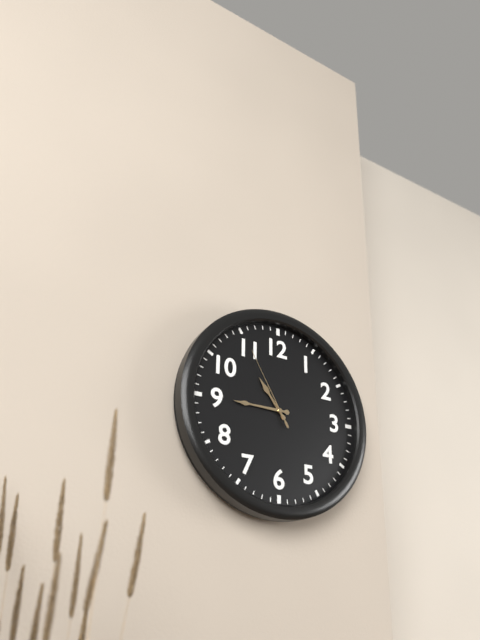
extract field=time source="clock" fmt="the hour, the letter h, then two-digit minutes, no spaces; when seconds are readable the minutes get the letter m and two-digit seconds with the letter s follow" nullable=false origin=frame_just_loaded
10h45m55s
